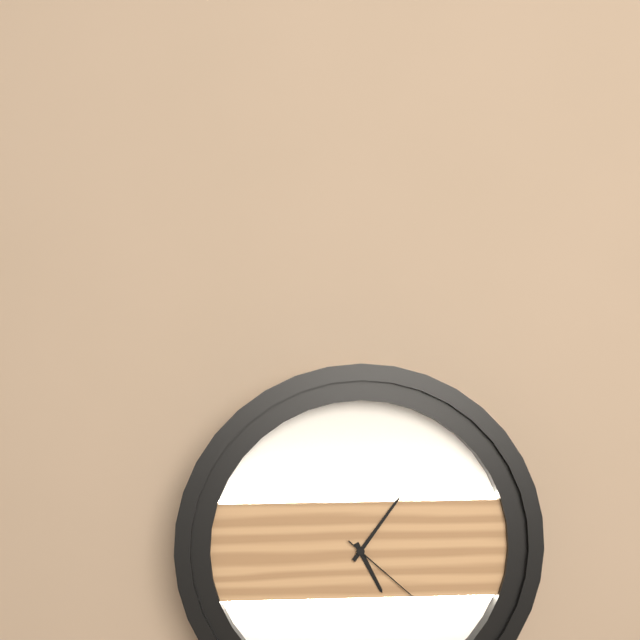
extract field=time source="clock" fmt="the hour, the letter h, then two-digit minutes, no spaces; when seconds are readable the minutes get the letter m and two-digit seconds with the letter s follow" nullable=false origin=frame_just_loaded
5h06m22s
